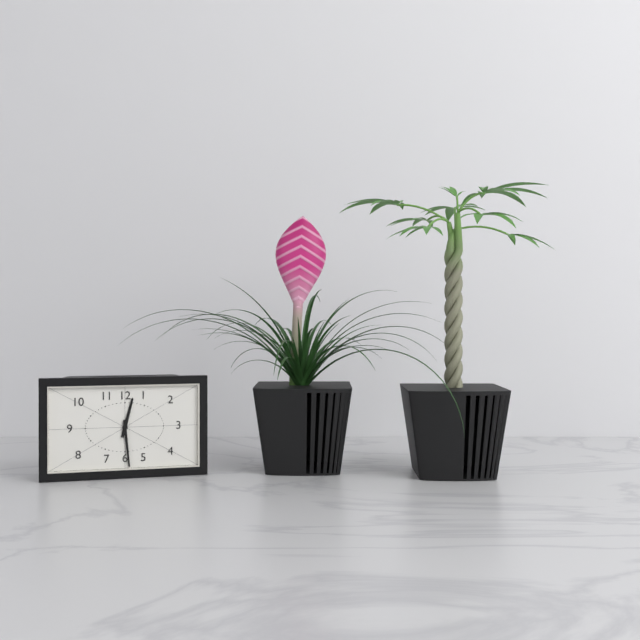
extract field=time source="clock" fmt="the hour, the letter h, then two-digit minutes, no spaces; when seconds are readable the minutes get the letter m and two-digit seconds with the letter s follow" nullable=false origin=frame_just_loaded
12h29
